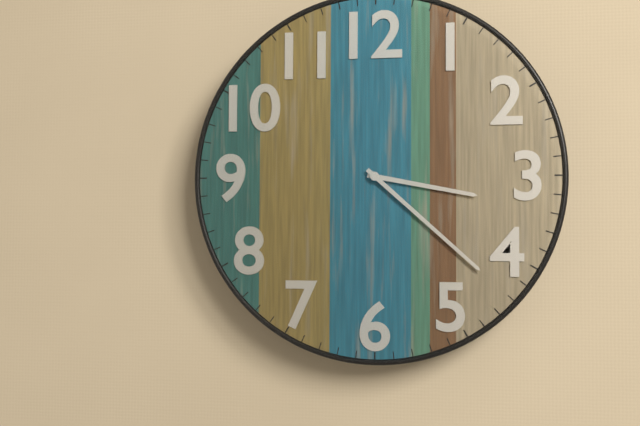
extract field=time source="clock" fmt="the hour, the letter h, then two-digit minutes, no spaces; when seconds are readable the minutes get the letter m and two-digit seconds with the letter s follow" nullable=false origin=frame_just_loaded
3h22
